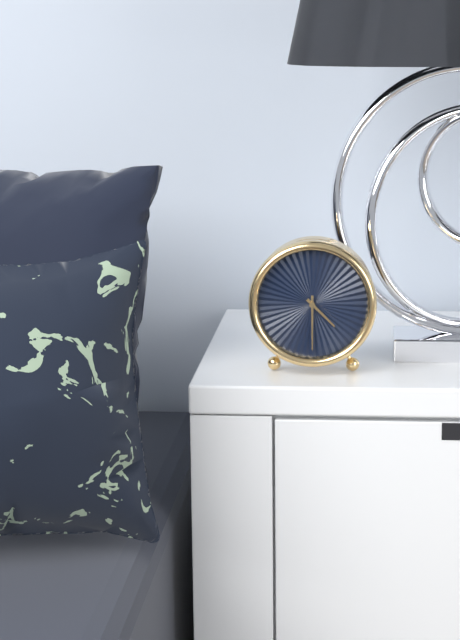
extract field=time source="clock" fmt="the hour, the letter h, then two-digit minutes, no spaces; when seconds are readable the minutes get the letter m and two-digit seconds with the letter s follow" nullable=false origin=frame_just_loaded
4h30
